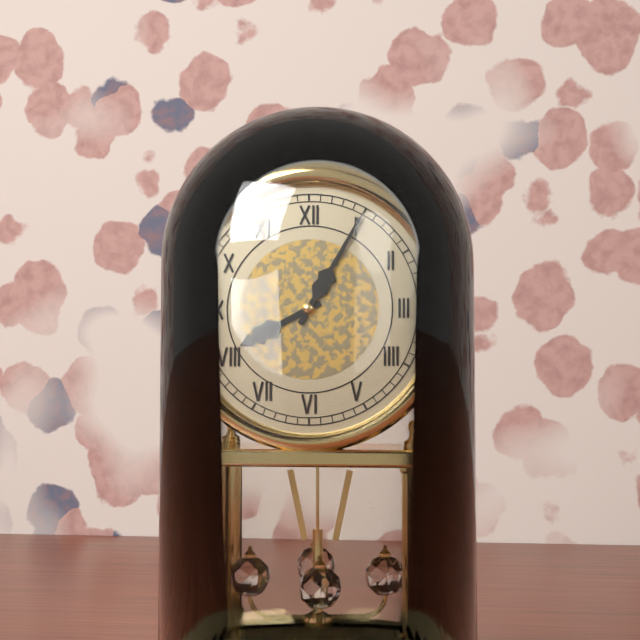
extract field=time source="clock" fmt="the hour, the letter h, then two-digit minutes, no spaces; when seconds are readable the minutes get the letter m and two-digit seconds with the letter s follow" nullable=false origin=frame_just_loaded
8h05
